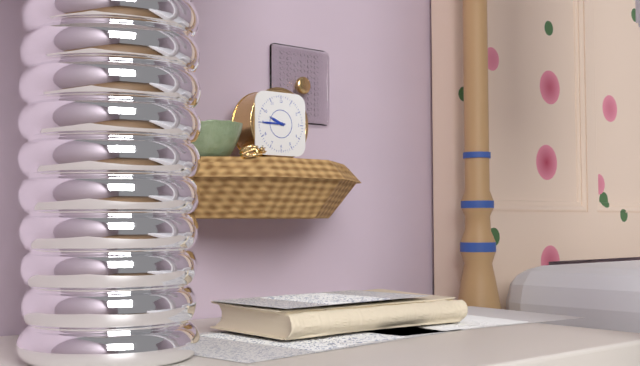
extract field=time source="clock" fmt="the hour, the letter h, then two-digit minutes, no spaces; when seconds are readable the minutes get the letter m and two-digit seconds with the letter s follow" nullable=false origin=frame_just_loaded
9h45
